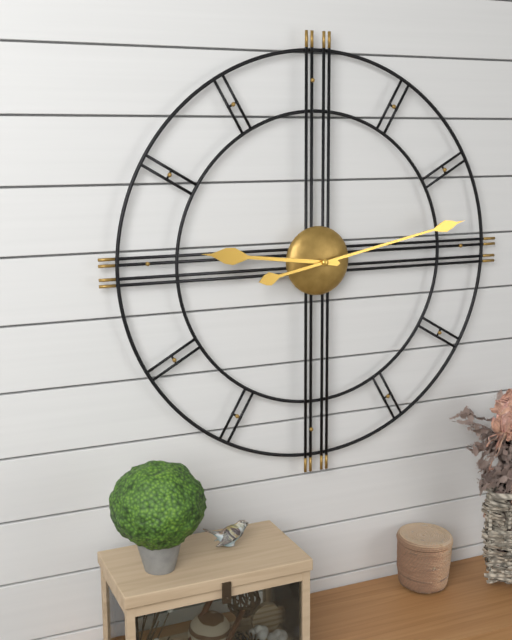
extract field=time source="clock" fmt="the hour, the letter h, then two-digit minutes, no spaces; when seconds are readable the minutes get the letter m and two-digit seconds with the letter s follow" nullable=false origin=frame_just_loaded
9h13
